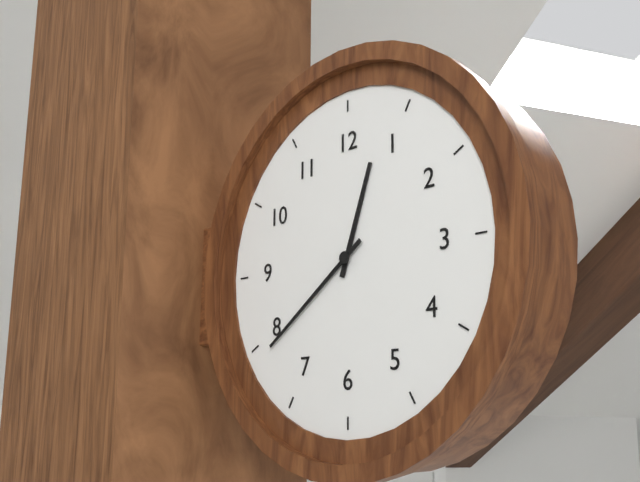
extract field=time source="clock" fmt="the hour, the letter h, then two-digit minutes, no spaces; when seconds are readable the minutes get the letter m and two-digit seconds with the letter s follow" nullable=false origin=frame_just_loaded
12h39
